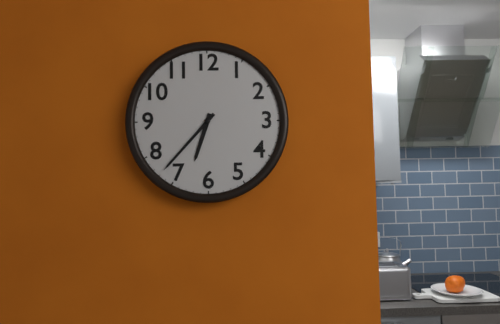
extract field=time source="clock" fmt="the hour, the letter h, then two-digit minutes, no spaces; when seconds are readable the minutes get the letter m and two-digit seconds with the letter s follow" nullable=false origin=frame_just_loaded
6h37
